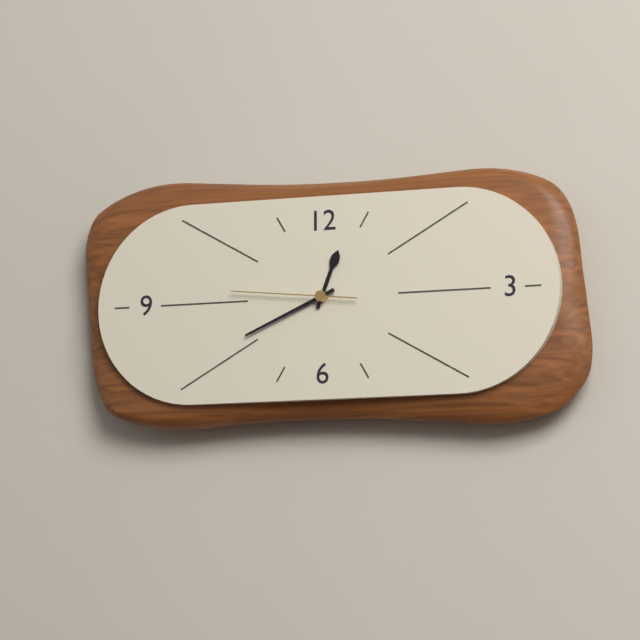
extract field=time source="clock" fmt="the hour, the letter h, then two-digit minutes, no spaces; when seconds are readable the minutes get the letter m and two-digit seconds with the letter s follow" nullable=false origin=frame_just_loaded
12h41m46s
